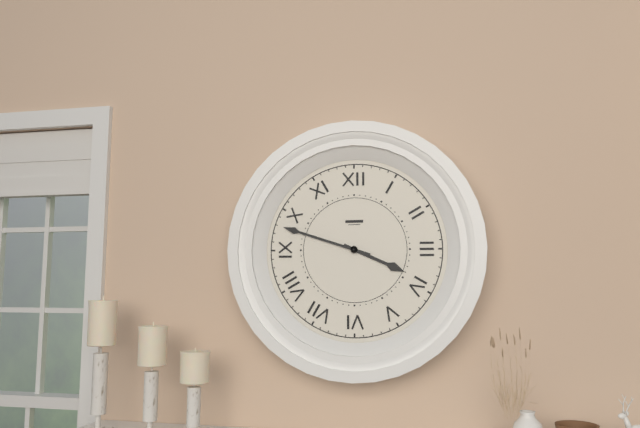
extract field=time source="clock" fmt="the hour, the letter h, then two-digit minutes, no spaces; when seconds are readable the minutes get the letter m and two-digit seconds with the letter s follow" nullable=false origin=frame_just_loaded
3h48
